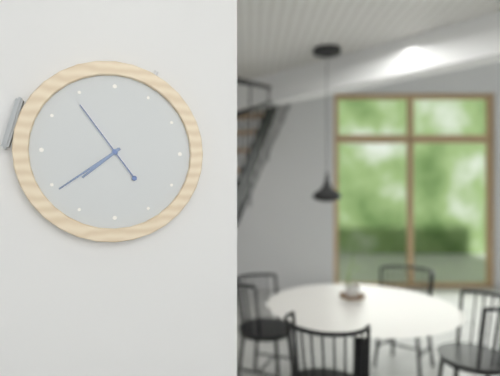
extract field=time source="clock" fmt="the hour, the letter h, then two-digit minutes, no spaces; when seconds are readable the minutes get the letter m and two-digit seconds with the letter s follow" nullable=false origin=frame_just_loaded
7h39m54s
